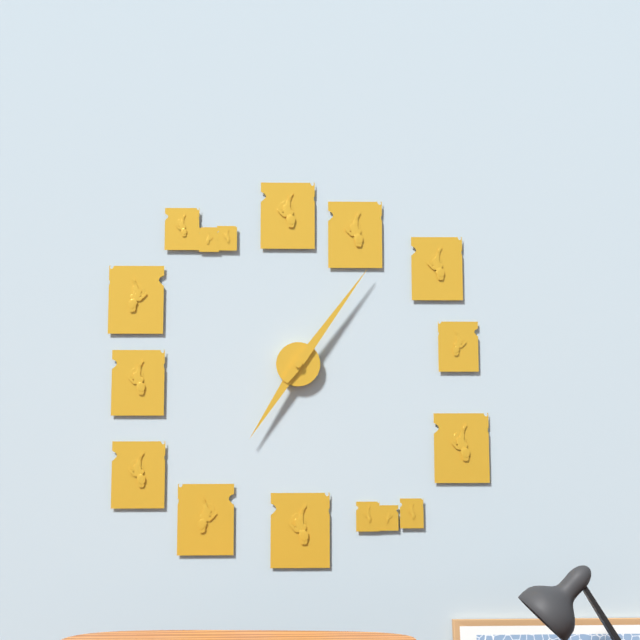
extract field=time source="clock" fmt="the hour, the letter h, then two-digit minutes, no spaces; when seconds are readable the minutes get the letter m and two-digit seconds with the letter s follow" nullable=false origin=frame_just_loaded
7h06
